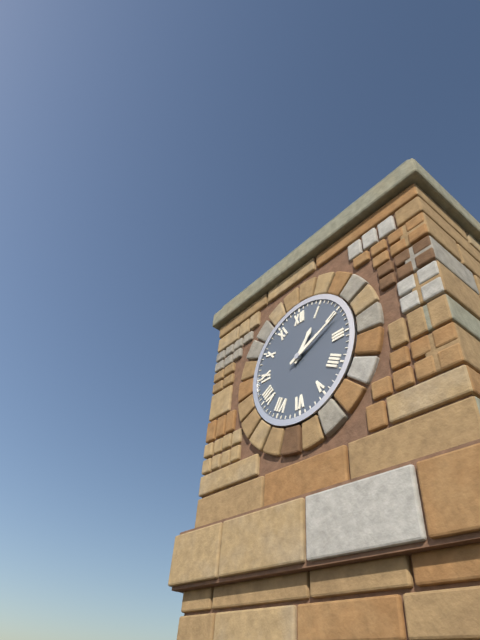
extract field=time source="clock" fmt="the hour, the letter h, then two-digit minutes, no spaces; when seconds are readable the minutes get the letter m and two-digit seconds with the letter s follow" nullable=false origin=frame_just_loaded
1h11
